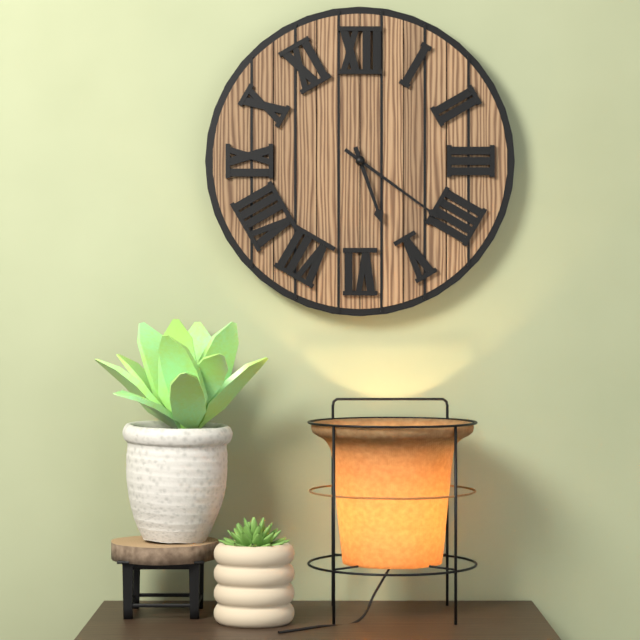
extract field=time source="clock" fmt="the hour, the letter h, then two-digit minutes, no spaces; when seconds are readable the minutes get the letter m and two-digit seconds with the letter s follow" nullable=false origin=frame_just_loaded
5h21
